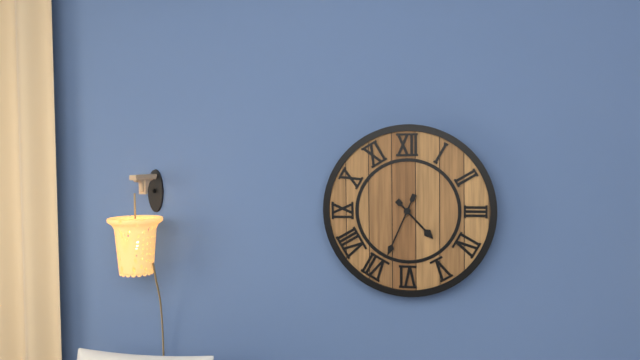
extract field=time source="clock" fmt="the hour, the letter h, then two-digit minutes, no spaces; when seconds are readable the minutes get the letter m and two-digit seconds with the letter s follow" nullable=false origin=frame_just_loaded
4h34
